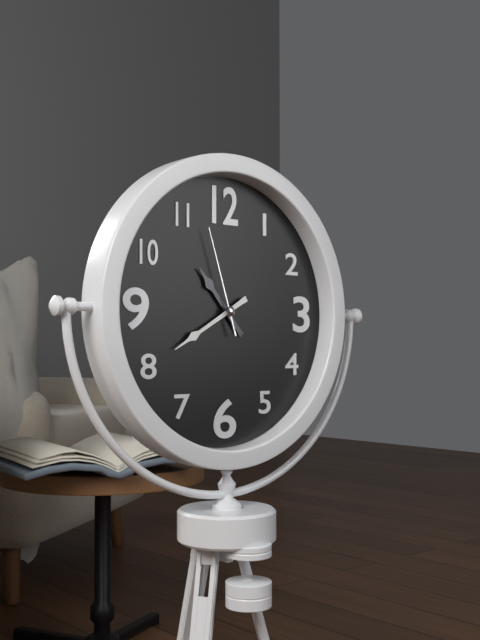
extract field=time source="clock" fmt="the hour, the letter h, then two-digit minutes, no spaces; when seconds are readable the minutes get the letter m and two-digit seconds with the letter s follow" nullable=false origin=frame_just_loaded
10h40m57s
